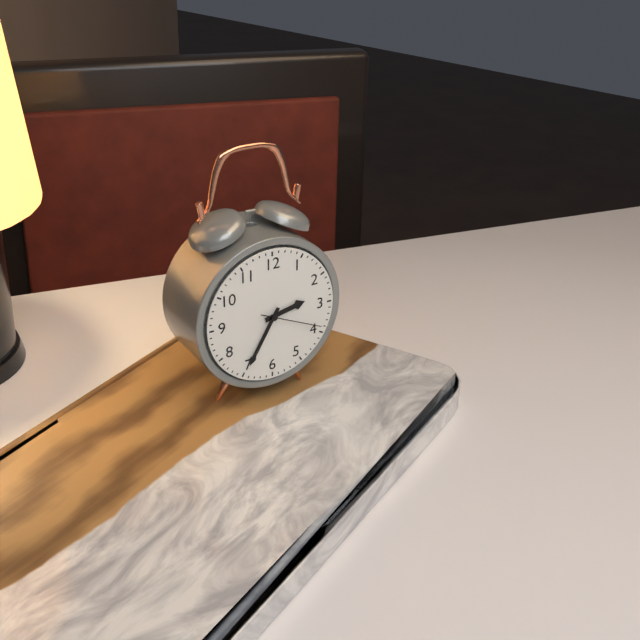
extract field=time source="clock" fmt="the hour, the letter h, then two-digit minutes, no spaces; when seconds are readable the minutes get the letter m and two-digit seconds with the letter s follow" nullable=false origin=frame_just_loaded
2h35m19s
